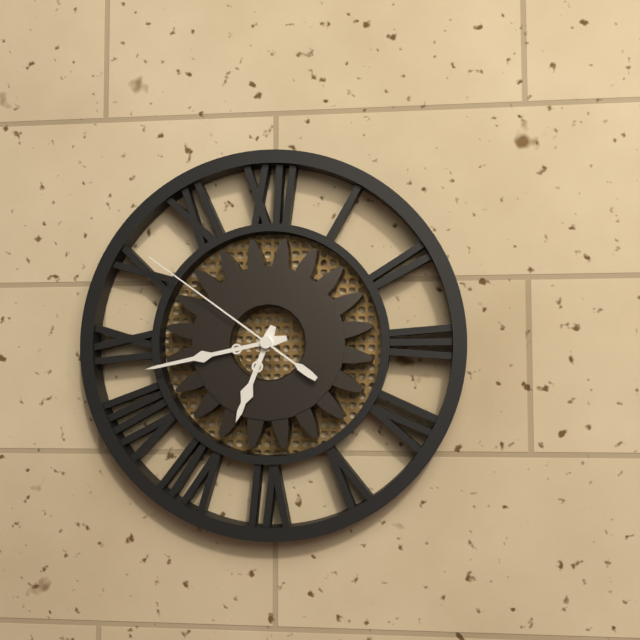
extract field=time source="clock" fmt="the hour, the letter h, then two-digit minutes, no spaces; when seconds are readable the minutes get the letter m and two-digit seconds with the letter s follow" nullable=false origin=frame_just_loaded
6h43m51s
